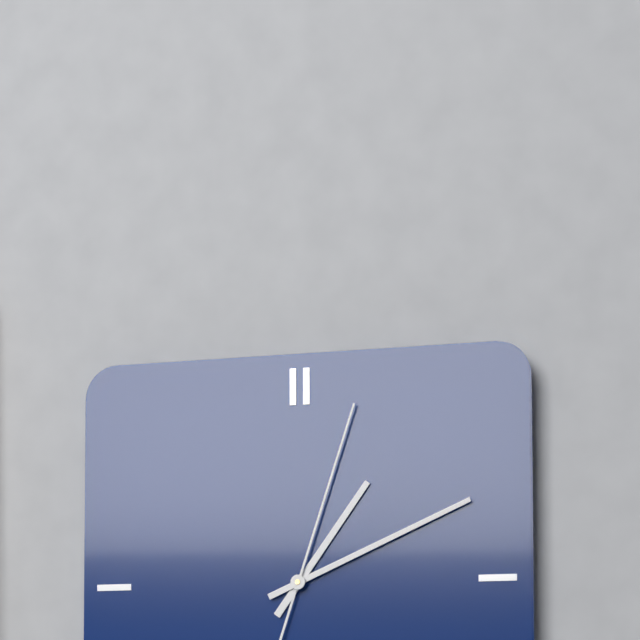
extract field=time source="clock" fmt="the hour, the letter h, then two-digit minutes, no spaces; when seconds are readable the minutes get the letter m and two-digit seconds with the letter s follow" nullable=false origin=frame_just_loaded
1h11m03s
